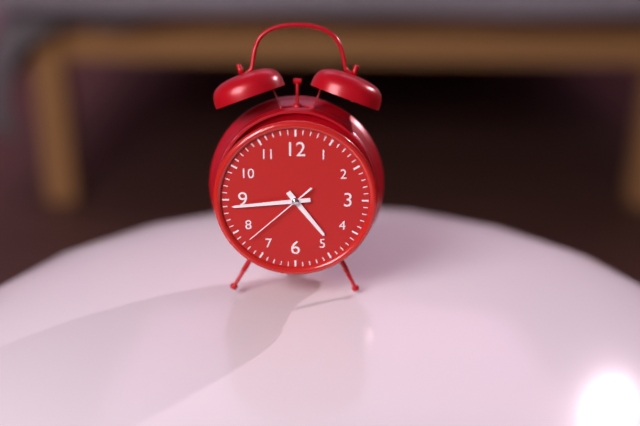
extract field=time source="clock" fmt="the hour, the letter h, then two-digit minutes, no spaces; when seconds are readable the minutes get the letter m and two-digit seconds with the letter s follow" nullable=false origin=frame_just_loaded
4h44m38s
